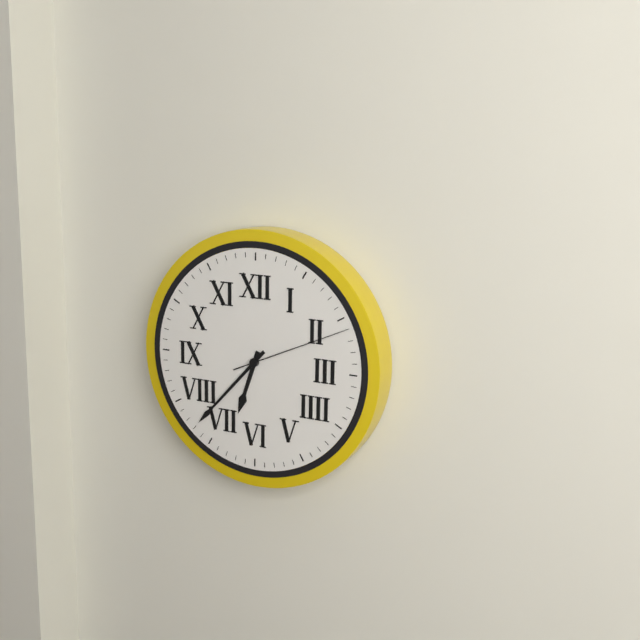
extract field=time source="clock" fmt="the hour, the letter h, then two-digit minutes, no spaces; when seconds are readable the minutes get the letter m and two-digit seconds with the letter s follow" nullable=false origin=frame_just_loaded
6h37m11s
